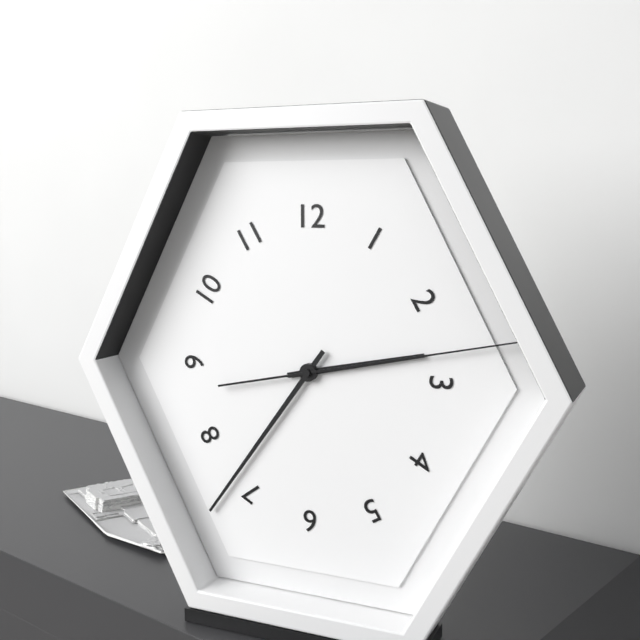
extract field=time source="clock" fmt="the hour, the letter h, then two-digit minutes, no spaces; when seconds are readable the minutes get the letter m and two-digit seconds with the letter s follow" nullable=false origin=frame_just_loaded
2h36m13s
